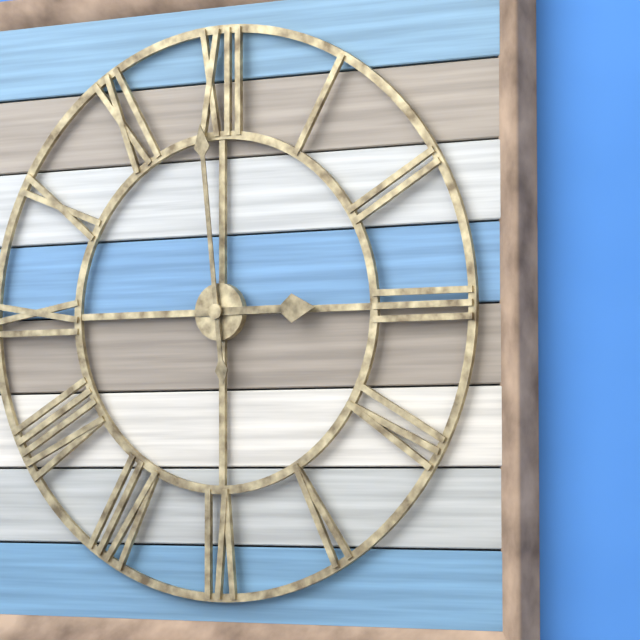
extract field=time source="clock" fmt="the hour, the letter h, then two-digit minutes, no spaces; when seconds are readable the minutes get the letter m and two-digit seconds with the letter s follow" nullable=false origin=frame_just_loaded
2h59
